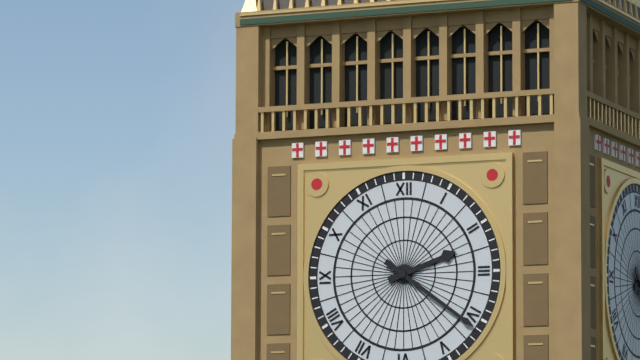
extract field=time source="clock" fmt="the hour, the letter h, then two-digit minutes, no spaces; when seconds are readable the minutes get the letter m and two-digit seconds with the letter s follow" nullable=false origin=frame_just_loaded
2h21
